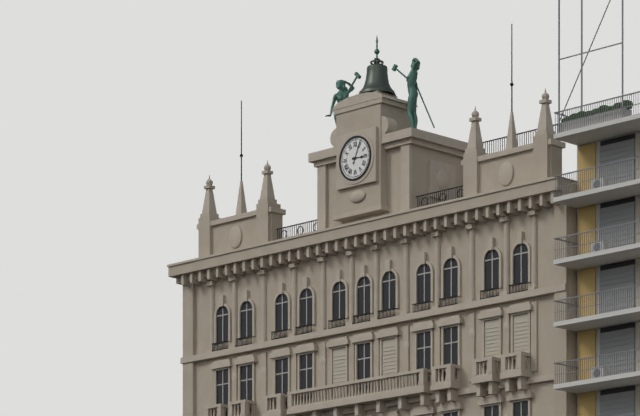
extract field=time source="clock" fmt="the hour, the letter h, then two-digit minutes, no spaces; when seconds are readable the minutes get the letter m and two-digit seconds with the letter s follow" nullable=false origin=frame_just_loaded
3h04
